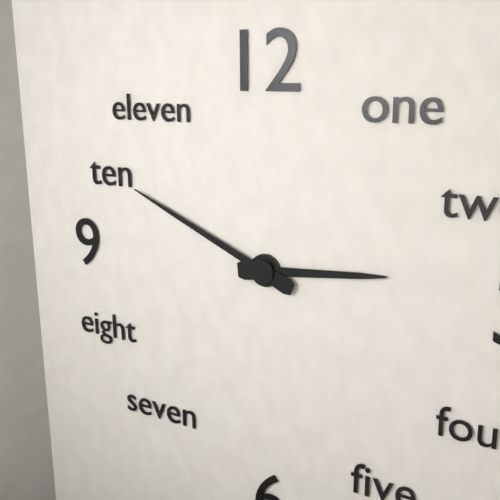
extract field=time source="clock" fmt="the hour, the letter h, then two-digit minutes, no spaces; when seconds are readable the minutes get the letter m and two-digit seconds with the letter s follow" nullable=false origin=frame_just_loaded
2h49
